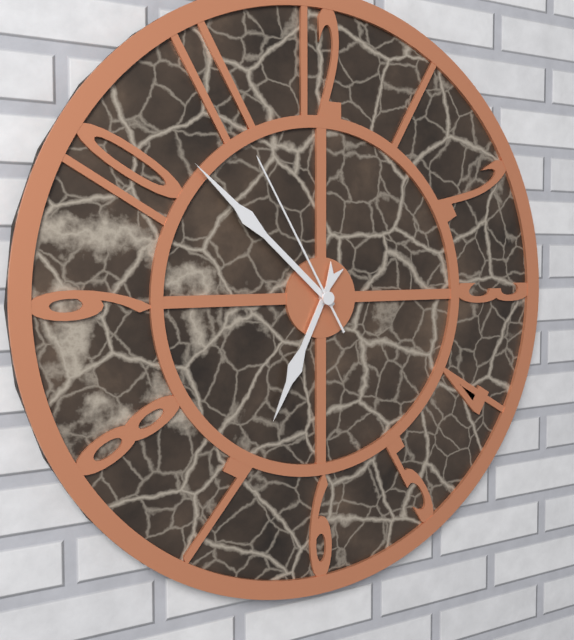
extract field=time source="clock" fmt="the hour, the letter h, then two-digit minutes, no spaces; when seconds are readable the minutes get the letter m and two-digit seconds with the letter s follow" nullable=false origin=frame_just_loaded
6h52m55s
